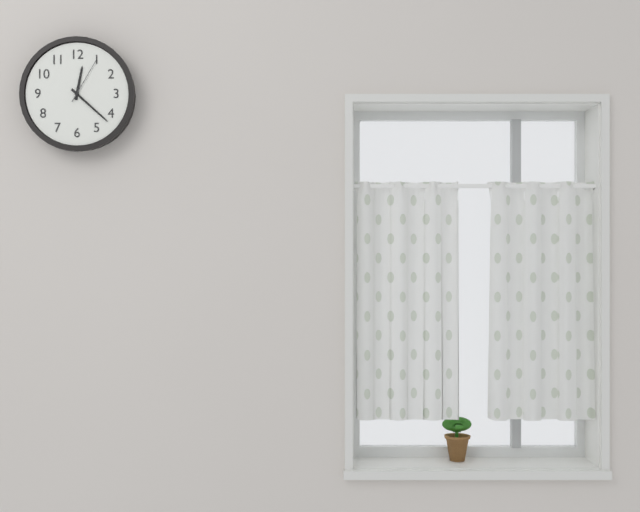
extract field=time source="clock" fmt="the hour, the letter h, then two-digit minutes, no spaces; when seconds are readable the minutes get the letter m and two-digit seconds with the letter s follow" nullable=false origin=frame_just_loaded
12h22
